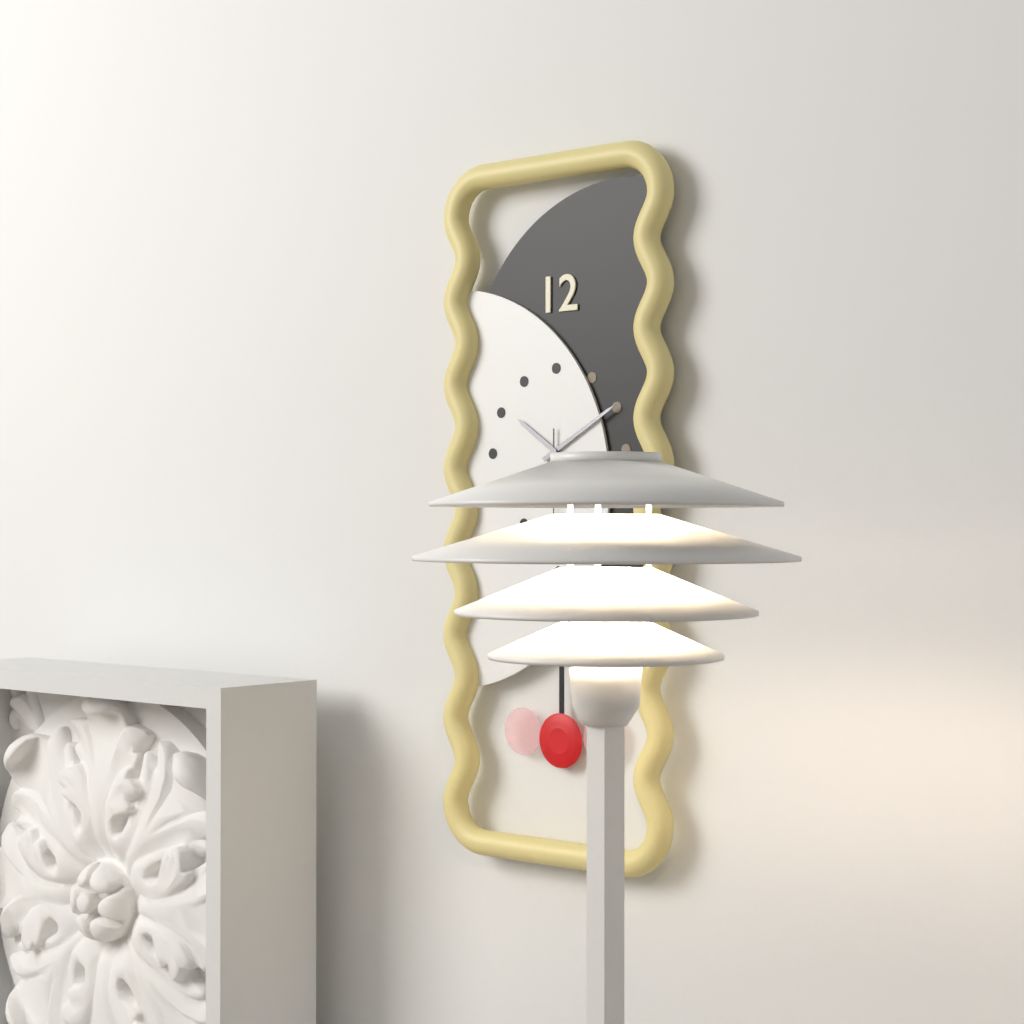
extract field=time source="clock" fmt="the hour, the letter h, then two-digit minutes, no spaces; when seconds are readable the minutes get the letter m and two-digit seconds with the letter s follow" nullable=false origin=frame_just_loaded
10h10
